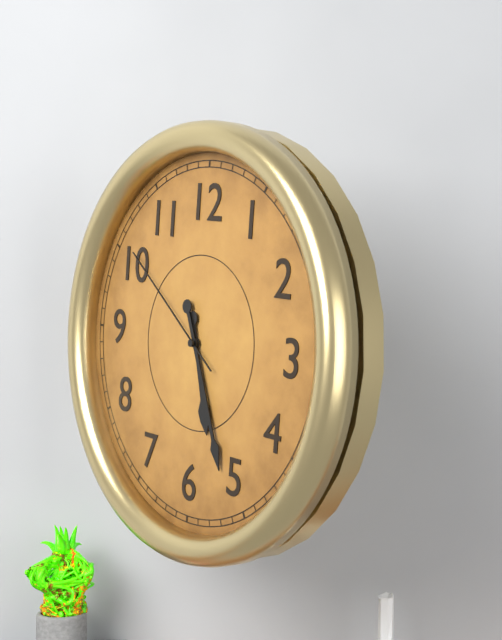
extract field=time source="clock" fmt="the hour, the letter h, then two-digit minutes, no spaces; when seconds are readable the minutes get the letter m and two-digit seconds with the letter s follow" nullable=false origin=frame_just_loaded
5h26m51s
